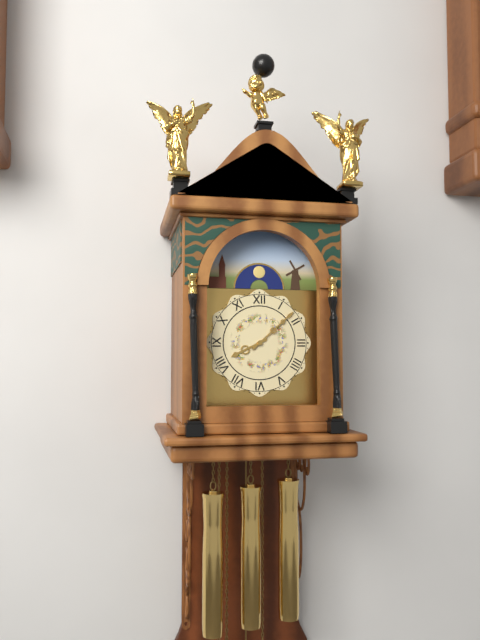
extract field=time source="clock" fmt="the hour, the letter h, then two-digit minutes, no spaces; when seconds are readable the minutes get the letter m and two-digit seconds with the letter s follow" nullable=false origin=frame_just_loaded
8h08
